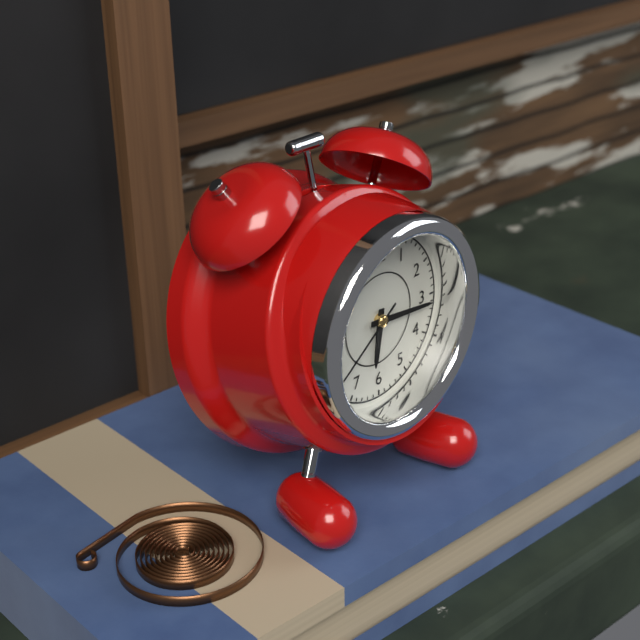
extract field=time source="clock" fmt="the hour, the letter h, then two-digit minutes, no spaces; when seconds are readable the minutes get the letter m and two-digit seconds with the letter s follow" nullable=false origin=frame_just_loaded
6h16m39s
